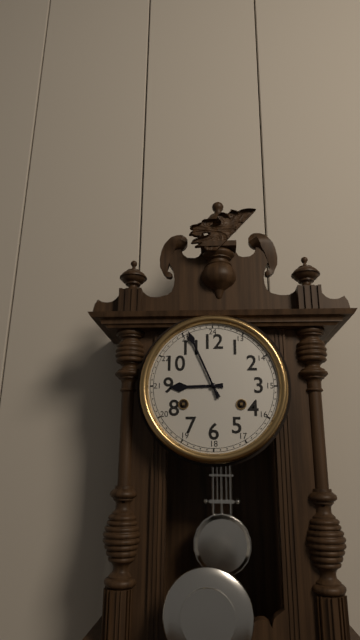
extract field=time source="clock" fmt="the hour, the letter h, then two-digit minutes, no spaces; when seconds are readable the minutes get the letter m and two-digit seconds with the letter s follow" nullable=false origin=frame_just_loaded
8h56
